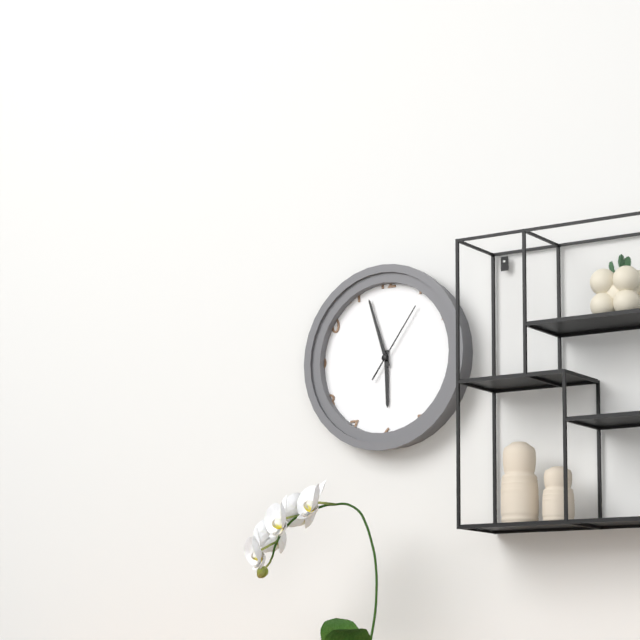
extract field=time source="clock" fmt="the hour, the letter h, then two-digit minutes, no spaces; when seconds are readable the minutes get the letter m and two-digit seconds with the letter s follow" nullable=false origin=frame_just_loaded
5h57m06s
